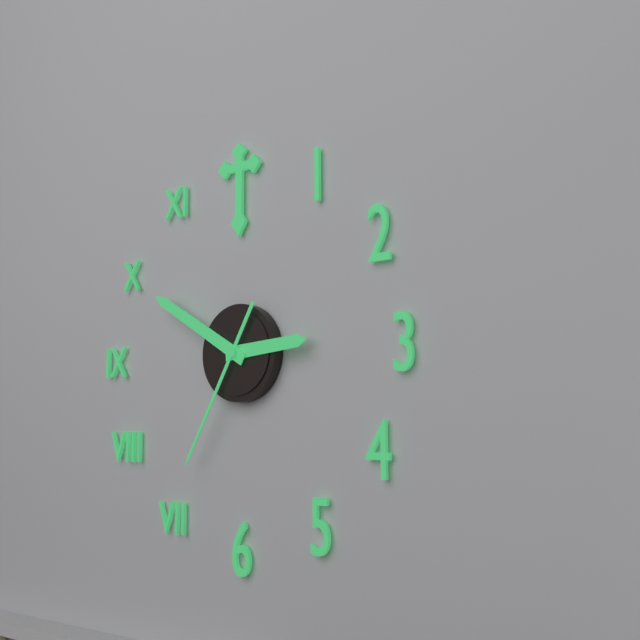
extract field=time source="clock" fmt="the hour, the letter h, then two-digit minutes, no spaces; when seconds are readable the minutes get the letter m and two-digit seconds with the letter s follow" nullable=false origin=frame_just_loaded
2h50m35s
